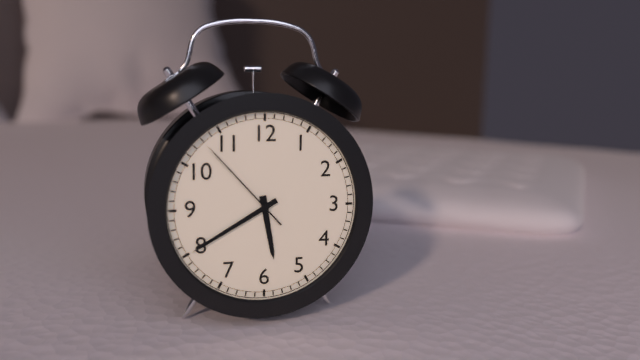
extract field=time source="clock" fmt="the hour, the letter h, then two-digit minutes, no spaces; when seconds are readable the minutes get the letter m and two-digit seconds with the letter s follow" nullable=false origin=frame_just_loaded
5h40m53s
